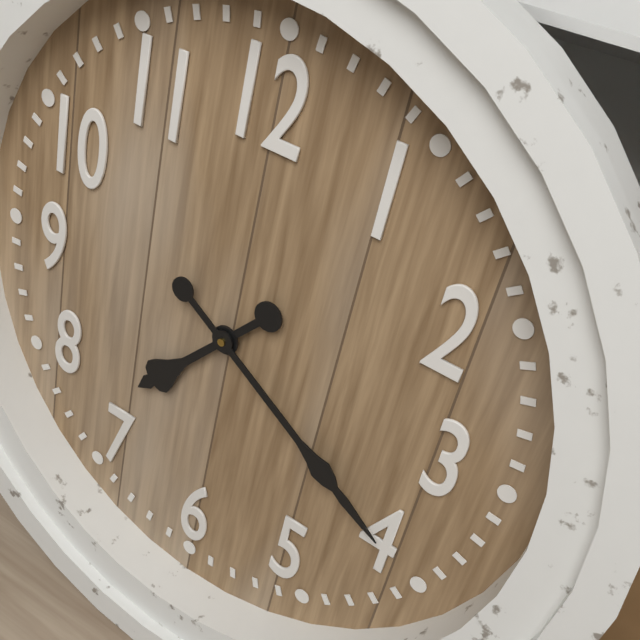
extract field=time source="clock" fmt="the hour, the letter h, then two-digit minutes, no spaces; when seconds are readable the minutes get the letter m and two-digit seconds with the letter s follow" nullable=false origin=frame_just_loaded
7h20
